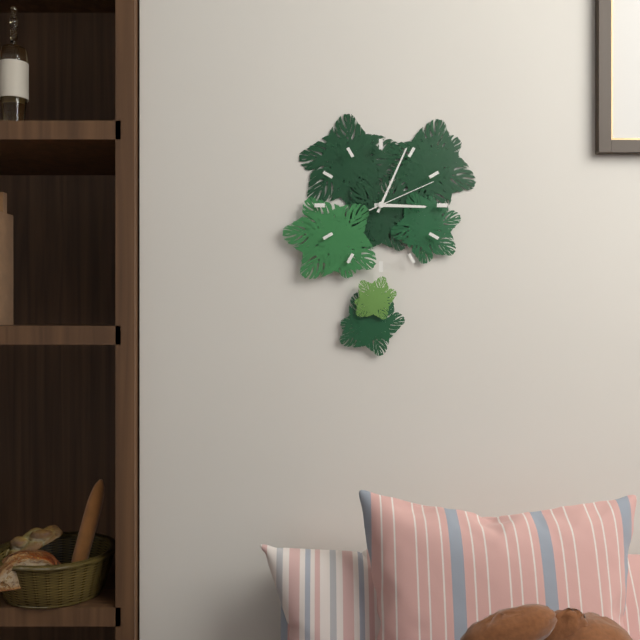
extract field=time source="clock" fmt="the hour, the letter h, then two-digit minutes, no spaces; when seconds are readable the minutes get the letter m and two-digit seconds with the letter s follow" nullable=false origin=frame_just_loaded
3h04m11s
